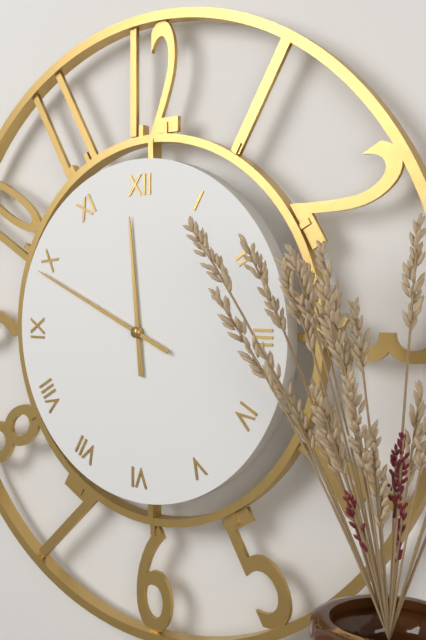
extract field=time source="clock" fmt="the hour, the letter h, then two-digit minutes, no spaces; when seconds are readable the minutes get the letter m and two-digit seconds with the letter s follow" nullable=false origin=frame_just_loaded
11h49
